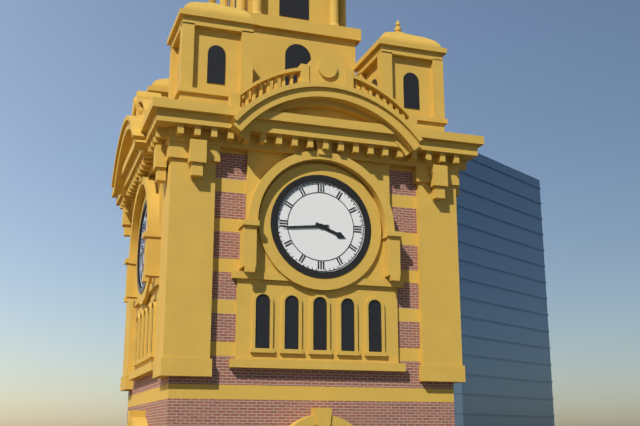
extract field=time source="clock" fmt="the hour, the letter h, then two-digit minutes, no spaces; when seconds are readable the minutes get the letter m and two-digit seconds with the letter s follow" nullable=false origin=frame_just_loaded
3h44
